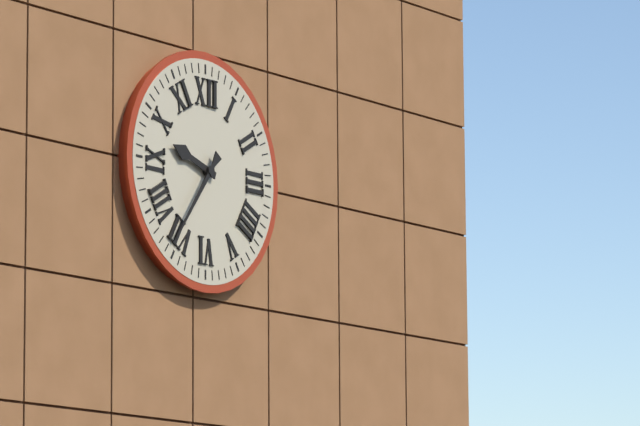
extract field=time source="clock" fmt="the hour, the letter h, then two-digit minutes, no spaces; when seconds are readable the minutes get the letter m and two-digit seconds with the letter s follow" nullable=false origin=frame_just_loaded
9h36
